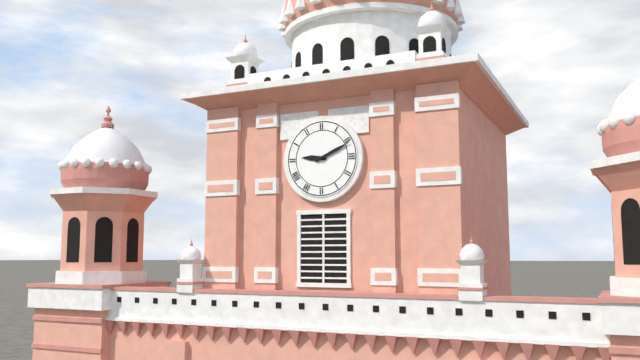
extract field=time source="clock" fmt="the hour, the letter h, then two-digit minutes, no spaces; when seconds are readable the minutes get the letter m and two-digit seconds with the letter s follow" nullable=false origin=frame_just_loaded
9h11
